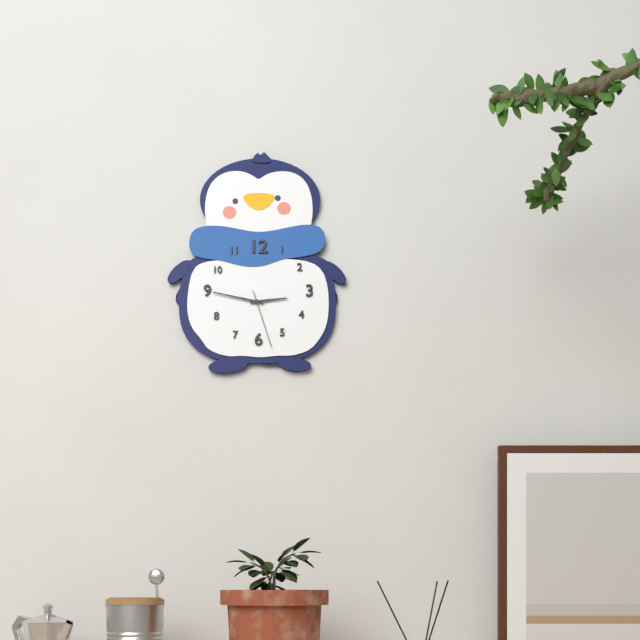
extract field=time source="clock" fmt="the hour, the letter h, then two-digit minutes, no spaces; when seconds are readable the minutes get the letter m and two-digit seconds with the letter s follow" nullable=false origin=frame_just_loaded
2h47m27s
